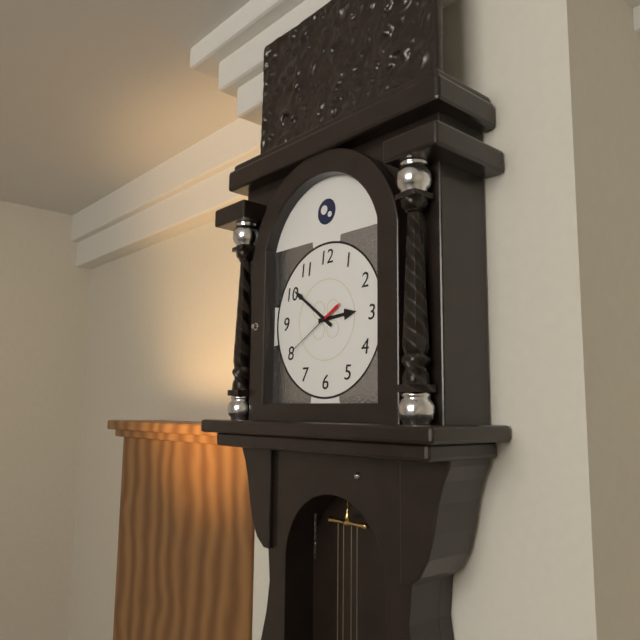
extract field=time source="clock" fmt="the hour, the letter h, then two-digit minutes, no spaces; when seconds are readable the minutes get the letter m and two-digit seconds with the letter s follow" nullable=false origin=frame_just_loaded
2h51m40s
